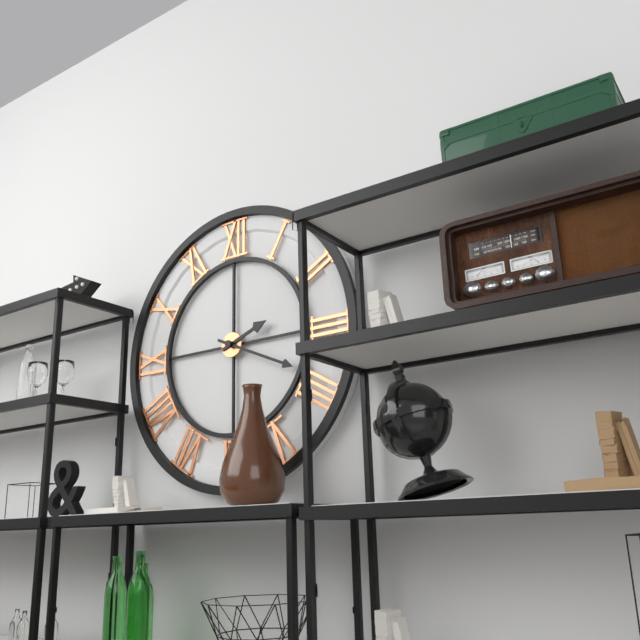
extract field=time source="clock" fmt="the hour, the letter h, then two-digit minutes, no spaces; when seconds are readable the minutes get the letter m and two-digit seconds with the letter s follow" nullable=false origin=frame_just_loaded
2h19
